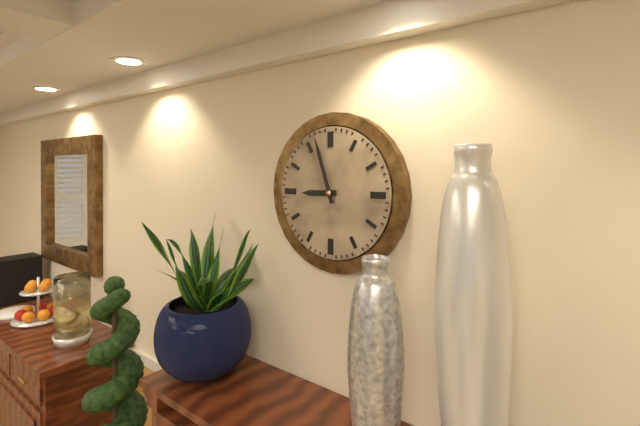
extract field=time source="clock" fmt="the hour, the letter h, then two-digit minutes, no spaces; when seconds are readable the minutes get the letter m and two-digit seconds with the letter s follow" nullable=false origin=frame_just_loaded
8h57
